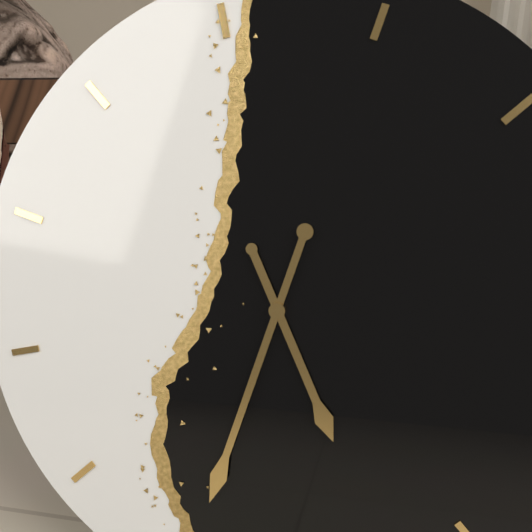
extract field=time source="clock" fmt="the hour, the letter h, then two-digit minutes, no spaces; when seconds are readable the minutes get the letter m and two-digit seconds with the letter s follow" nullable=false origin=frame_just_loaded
5h35
